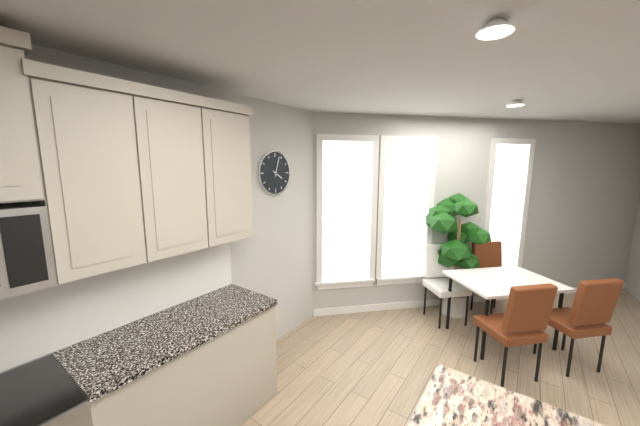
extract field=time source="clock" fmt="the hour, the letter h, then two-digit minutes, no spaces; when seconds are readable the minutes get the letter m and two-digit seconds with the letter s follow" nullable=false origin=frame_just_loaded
4h03
